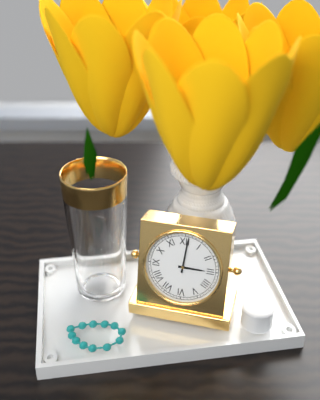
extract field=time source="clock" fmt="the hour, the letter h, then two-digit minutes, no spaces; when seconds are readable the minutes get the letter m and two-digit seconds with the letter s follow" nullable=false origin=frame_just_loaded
3h01
